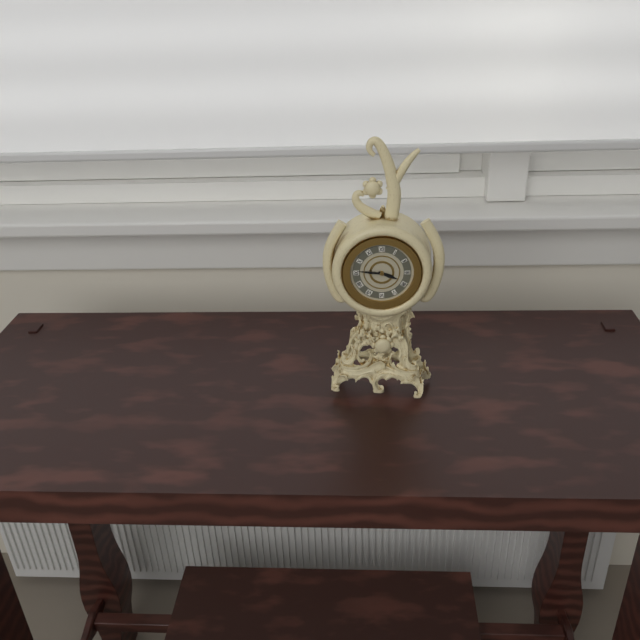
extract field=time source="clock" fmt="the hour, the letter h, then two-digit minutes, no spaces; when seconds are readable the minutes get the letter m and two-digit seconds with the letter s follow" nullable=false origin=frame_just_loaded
3h46
